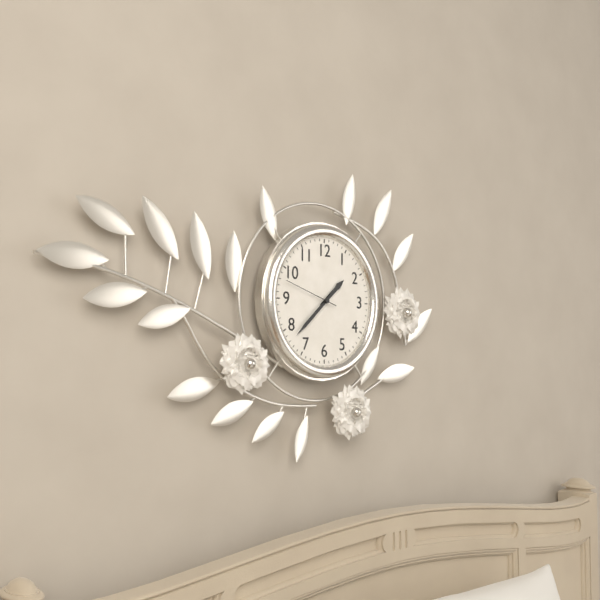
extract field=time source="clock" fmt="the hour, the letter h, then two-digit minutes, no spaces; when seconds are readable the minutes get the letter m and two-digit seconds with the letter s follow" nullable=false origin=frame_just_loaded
1h38m48s
